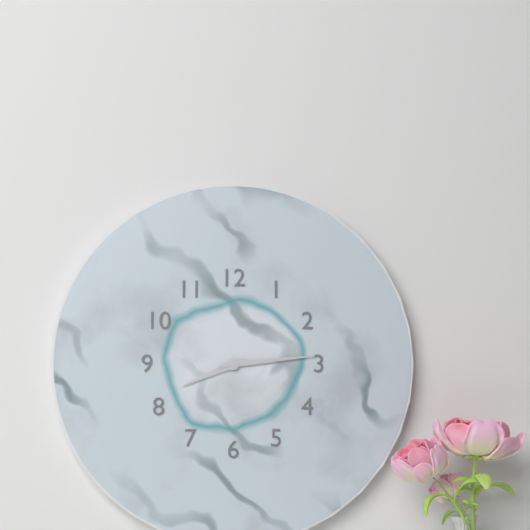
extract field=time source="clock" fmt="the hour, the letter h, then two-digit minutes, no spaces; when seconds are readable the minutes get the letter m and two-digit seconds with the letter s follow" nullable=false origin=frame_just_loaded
8h14
